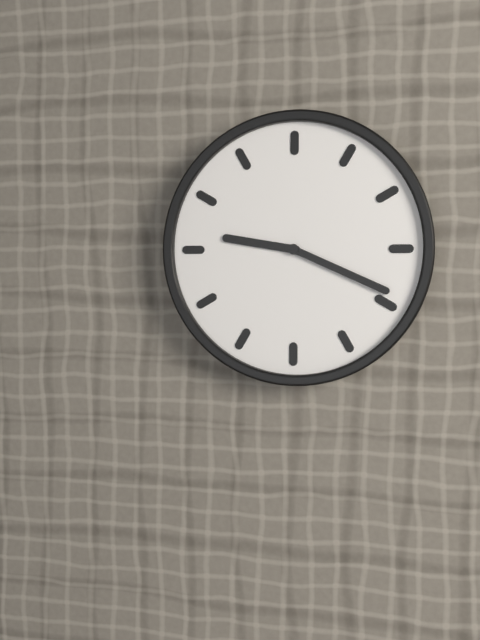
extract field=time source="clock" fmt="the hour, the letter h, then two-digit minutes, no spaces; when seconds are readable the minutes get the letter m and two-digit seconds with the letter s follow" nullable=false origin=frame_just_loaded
9h19
